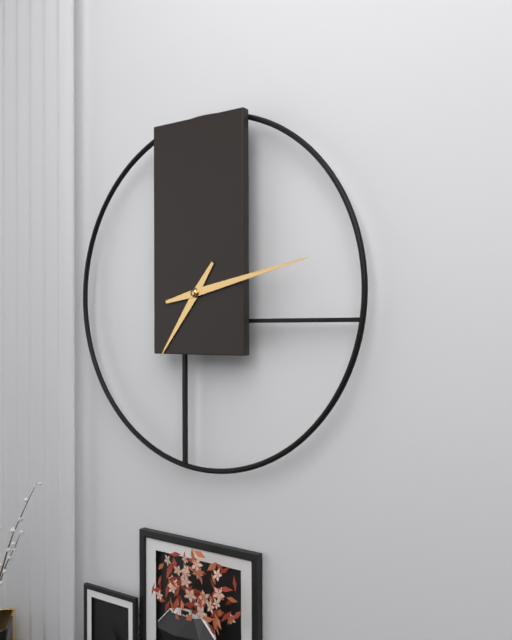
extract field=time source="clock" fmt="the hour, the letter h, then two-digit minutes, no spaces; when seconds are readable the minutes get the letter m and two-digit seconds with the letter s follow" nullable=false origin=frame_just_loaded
7h13
